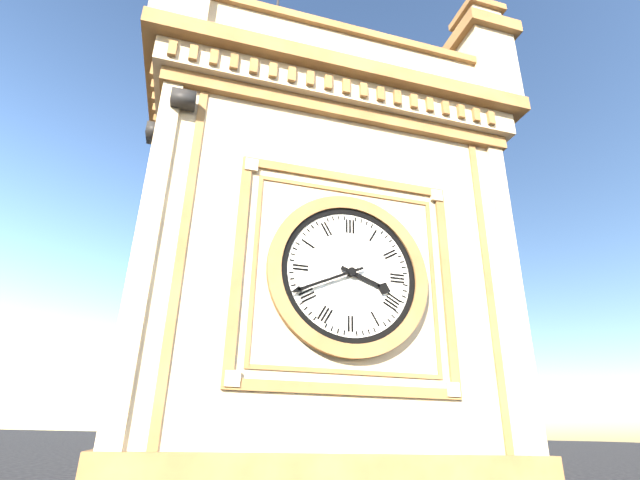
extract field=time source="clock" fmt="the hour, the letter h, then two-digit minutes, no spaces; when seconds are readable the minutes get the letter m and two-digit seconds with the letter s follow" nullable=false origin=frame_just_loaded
3h41
